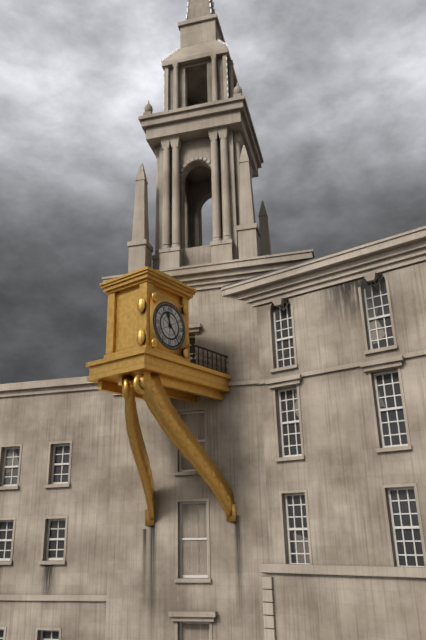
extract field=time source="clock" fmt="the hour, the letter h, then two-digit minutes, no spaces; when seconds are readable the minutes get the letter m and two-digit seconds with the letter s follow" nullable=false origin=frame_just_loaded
11h24
